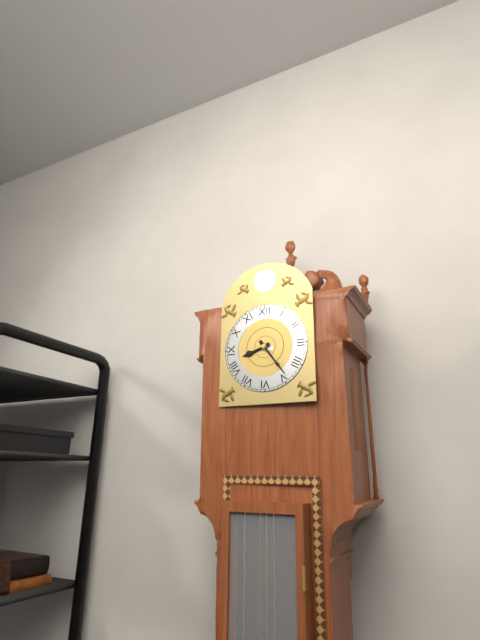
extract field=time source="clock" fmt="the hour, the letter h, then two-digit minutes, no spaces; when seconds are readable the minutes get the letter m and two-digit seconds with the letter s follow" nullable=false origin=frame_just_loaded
8h24
